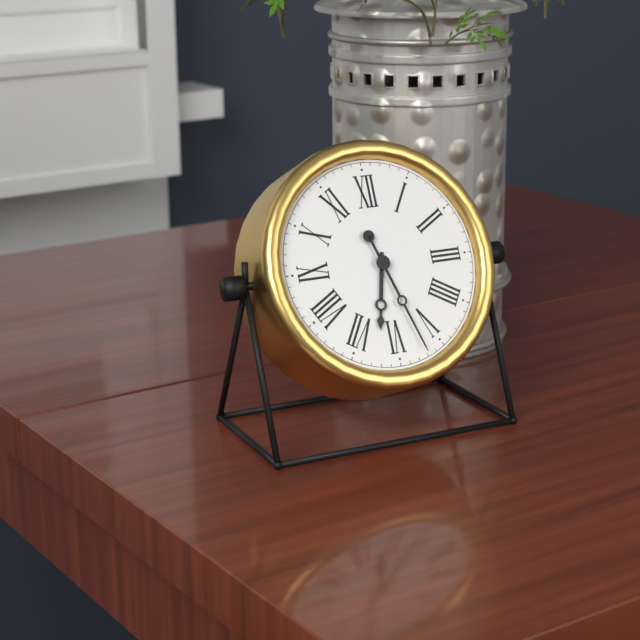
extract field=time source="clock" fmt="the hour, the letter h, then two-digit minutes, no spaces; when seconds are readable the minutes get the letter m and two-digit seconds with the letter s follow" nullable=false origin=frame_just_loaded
6h27
